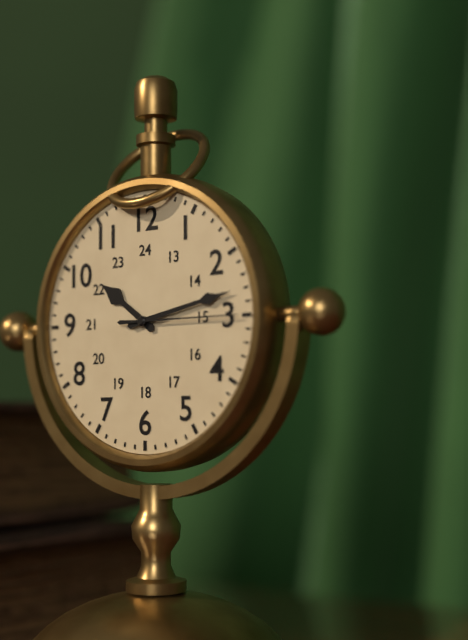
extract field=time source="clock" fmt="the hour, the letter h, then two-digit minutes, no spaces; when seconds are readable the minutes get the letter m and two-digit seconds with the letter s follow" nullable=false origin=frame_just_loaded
10h13m15s
